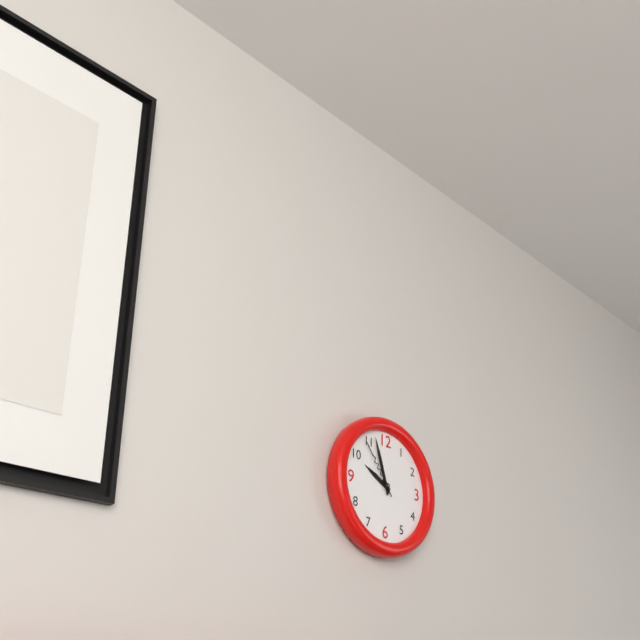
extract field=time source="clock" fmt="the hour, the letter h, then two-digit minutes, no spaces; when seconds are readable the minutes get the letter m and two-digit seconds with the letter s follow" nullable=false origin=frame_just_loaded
9h57m54s
